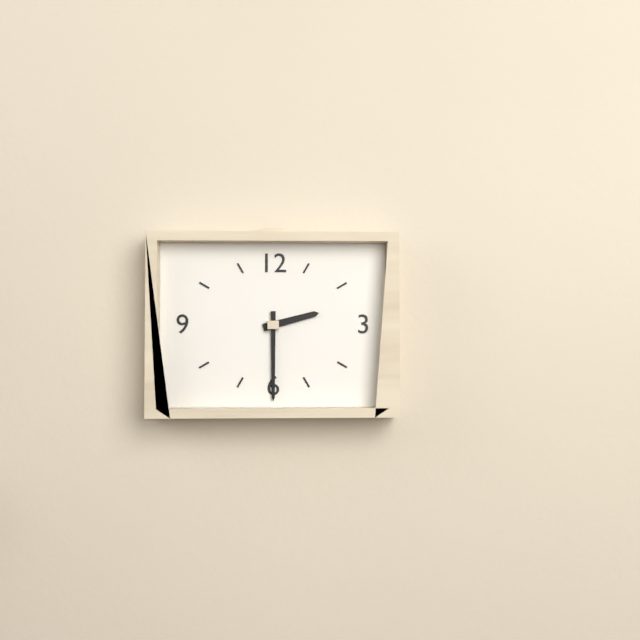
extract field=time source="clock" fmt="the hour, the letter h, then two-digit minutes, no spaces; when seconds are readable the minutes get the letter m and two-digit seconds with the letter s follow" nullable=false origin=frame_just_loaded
2h30
